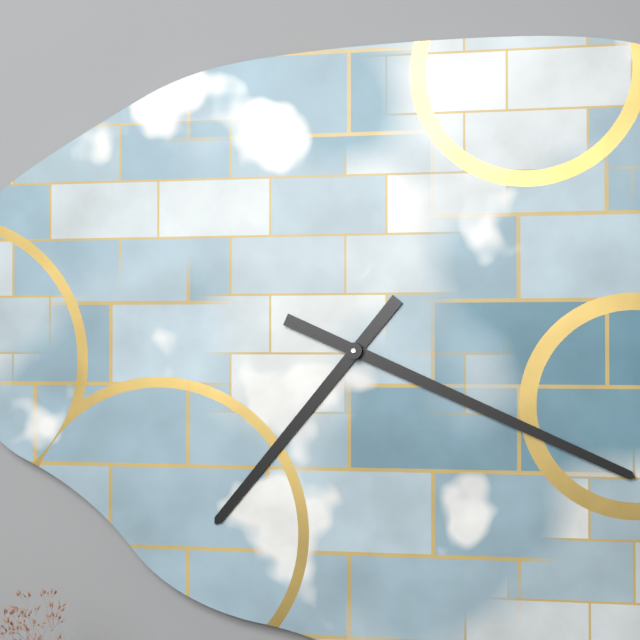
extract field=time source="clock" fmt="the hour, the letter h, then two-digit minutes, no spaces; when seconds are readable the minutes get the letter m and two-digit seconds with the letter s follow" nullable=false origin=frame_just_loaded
7h19
